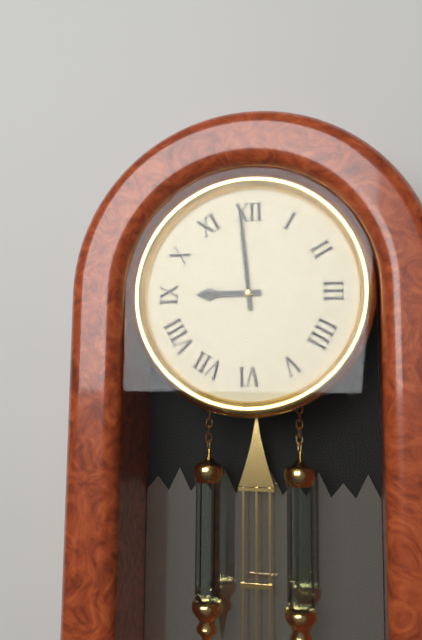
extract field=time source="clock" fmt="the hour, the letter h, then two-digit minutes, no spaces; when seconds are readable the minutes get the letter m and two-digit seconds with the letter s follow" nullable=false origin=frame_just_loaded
8h59
